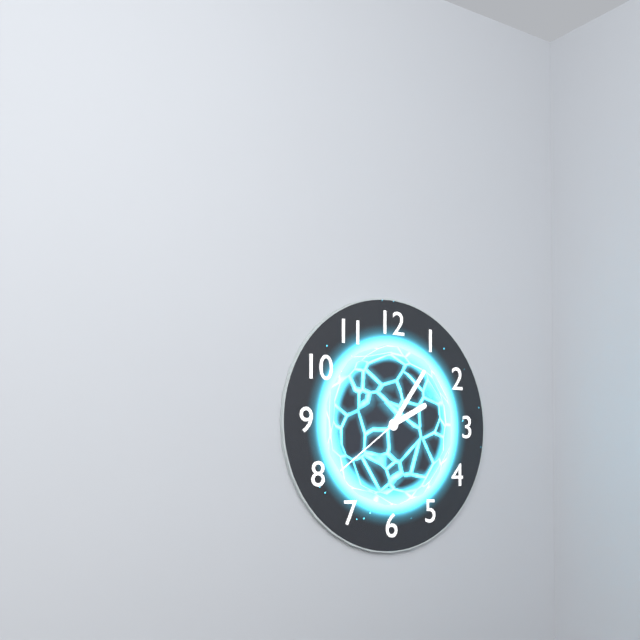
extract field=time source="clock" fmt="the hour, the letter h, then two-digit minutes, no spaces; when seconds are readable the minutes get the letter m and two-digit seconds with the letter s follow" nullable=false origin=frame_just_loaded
2h06m39s
